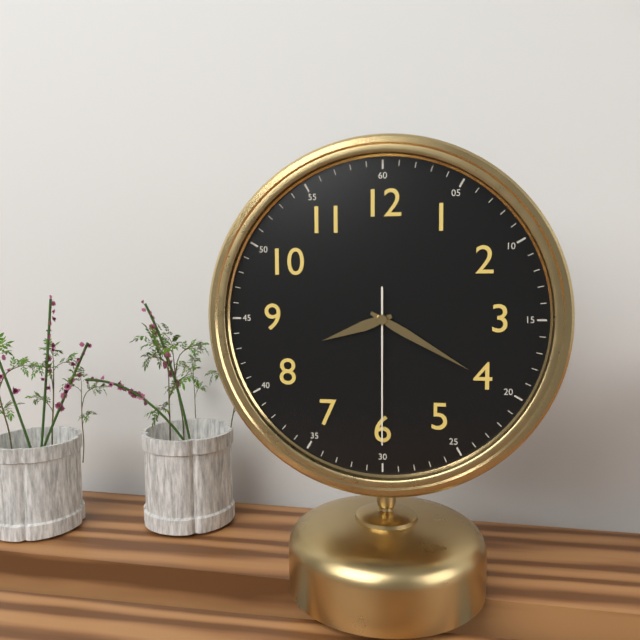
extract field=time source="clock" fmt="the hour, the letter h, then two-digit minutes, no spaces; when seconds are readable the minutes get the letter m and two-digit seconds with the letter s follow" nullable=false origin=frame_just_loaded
8h20m30s
